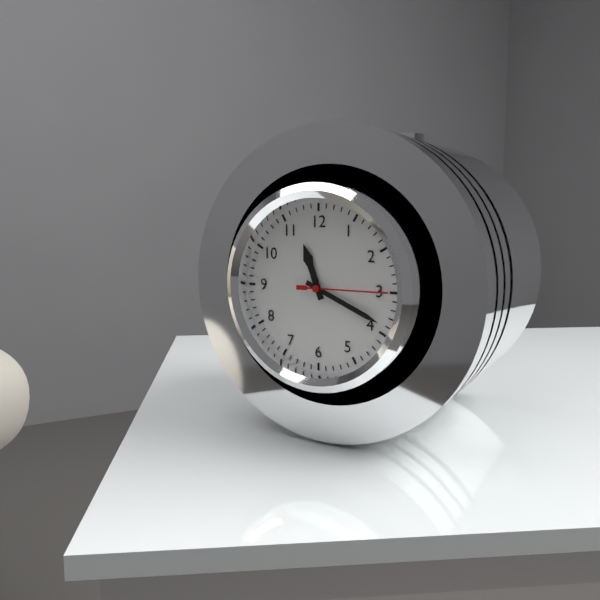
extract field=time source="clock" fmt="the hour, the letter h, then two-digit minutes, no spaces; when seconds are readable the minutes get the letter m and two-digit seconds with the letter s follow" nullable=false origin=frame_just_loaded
11h19m15s
